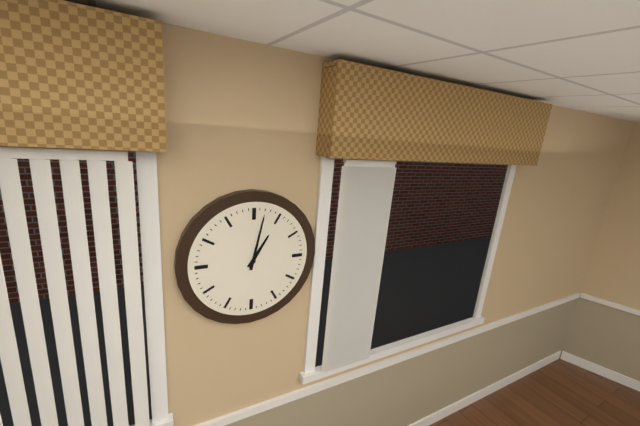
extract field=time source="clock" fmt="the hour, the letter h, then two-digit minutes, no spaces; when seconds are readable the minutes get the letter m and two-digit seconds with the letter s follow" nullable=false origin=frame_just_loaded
1h02
